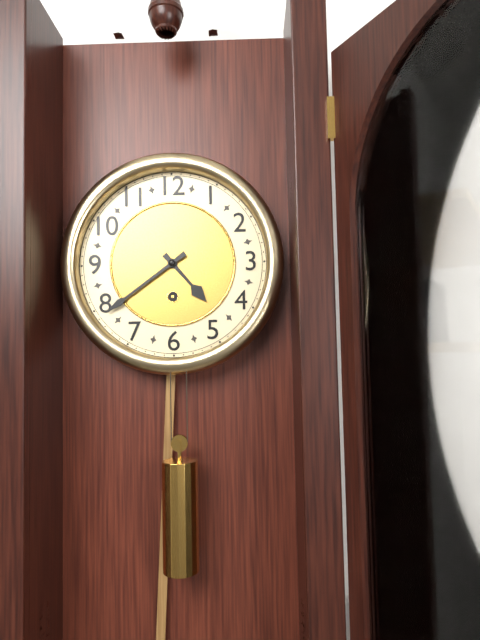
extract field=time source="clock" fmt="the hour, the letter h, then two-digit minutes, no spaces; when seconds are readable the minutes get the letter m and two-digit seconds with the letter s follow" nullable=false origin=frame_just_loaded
4h39
